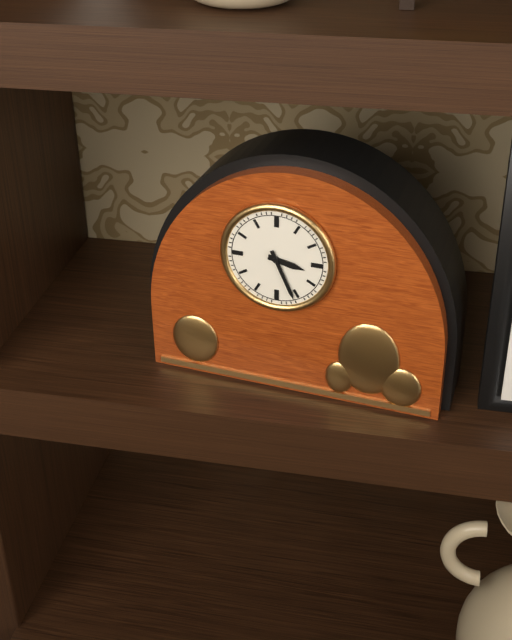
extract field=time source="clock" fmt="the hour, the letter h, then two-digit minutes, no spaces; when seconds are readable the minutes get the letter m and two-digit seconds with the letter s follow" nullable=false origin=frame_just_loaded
3h26
